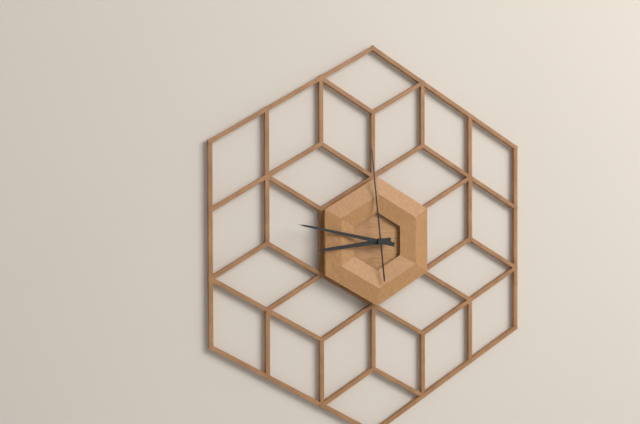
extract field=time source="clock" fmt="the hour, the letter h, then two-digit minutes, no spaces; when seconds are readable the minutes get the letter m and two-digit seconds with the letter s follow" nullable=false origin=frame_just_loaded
8h47m59s
